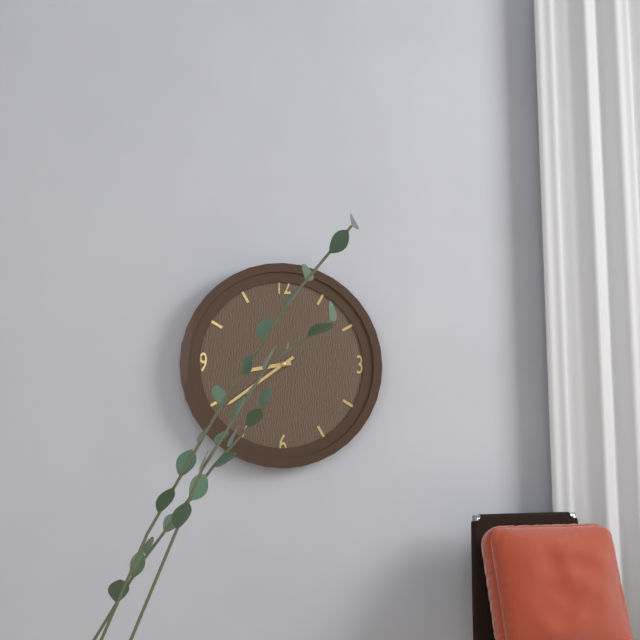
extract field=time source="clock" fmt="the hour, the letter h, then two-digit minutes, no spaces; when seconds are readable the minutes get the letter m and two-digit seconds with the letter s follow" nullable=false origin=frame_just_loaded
8h39
